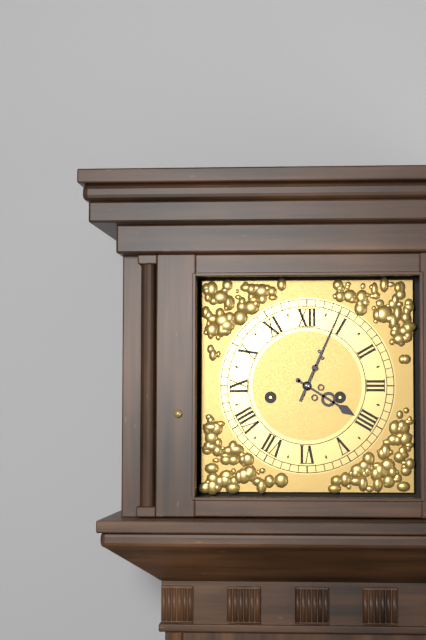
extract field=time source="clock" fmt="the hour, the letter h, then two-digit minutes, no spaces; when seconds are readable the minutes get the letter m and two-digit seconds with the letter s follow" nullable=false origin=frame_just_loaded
4h04
